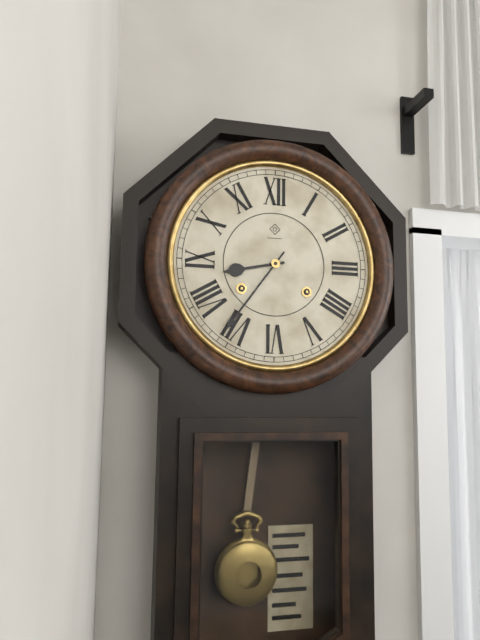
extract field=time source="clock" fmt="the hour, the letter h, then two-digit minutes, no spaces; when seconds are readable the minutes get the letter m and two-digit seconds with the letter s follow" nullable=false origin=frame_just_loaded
8h36
